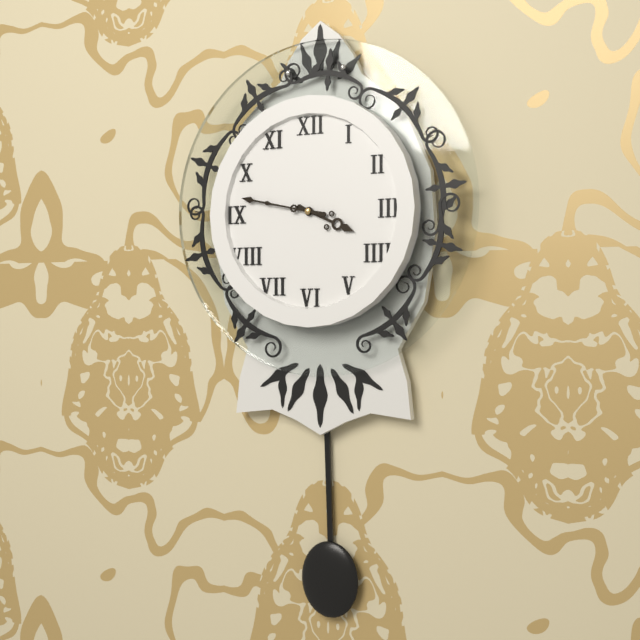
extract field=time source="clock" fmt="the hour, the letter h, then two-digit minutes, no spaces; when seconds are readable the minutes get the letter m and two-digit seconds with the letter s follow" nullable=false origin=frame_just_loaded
3h47
